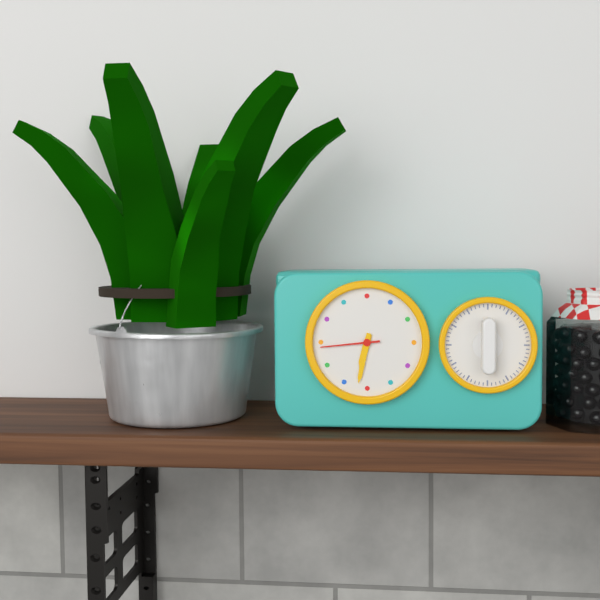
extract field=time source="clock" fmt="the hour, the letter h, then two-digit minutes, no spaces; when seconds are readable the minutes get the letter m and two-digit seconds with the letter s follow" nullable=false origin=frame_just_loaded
6h32m44s
